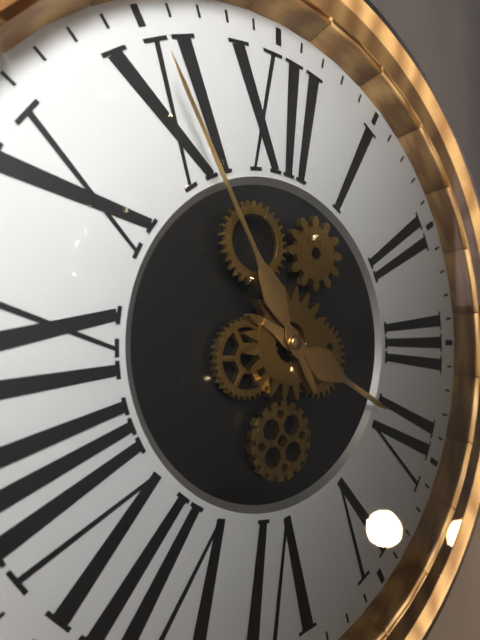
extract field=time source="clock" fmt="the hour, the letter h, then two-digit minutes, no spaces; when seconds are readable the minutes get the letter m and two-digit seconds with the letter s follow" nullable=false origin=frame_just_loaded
3h55
